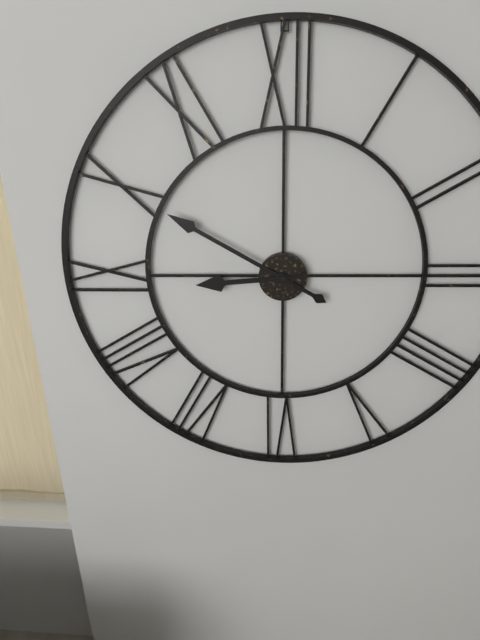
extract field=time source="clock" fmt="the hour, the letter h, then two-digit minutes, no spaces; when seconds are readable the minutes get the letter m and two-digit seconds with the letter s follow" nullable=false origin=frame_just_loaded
8h50
